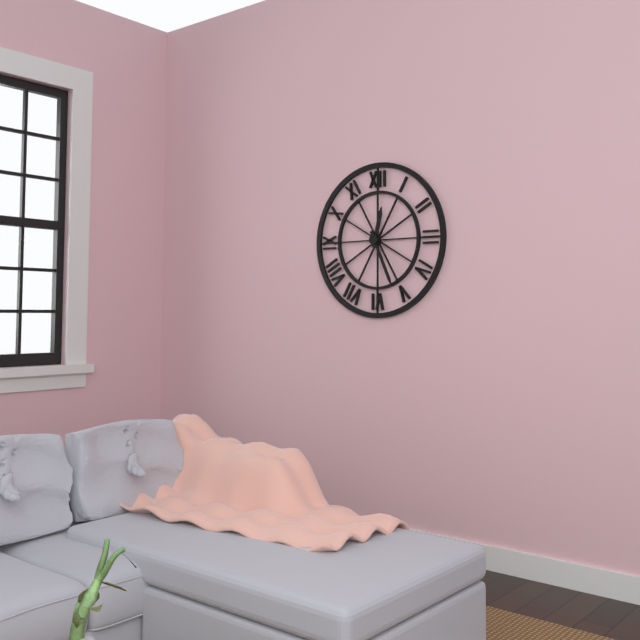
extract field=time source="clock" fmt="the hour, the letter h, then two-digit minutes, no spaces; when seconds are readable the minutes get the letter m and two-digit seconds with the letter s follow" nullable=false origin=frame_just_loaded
12h26
